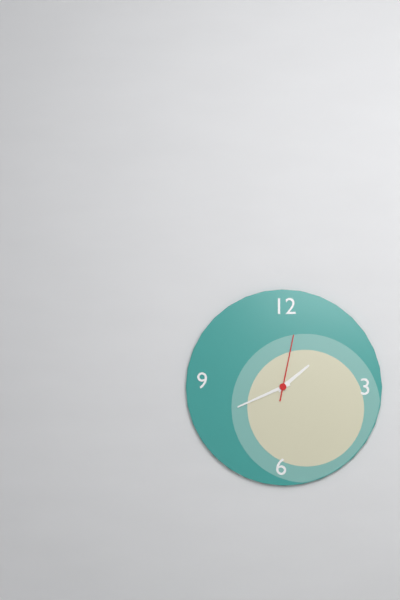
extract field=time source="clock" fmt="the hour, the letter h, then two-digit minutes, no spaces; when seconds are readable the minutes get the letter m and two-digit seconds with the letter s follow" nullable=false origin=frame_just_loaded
1h41m02s
